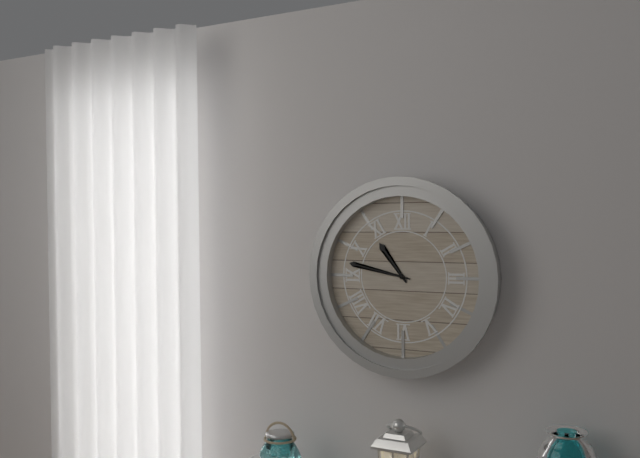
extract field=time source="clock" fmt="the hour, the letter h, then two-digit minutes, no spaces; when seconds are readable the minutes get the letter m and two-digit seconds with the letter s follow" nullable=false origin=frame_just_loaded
10h47
